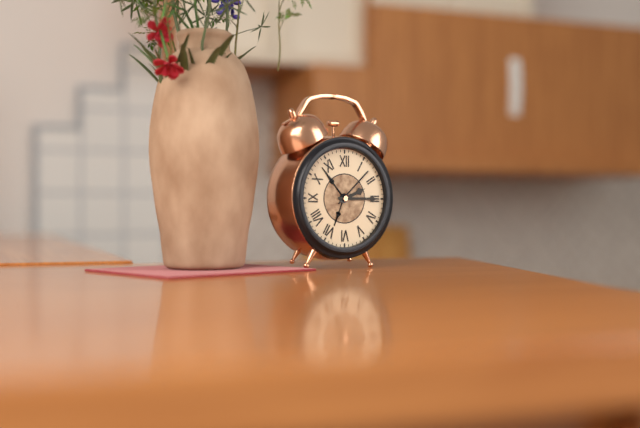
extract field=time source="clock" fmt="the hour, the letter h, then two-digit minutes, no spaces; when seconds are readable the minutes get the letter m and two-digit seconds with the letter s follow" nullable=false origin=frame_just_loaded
2h15
